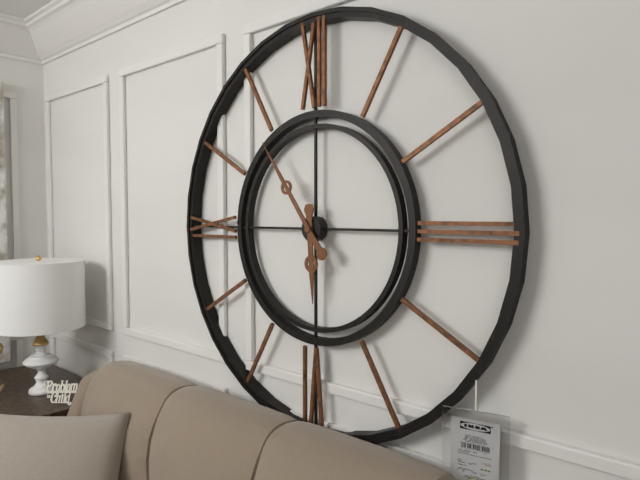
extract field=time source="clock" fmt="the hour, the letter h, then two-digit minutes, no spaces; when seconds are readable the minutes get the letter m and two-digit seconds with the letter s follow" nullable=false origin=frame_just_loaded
5h54
